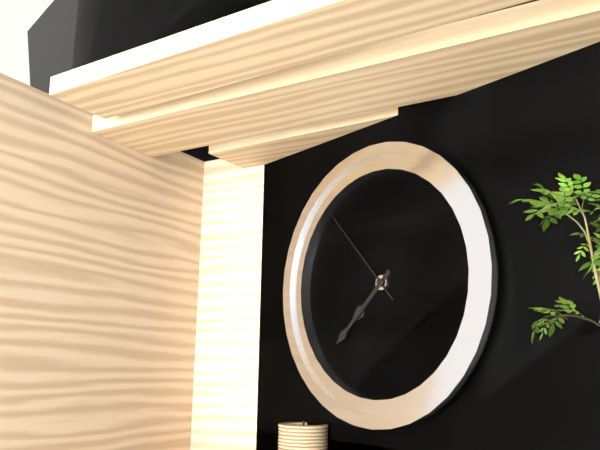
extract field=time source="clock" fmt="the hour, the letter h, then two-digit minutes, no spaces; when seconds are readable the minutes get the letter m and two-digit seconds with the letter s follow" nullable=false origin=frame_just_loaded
7h38m53s
